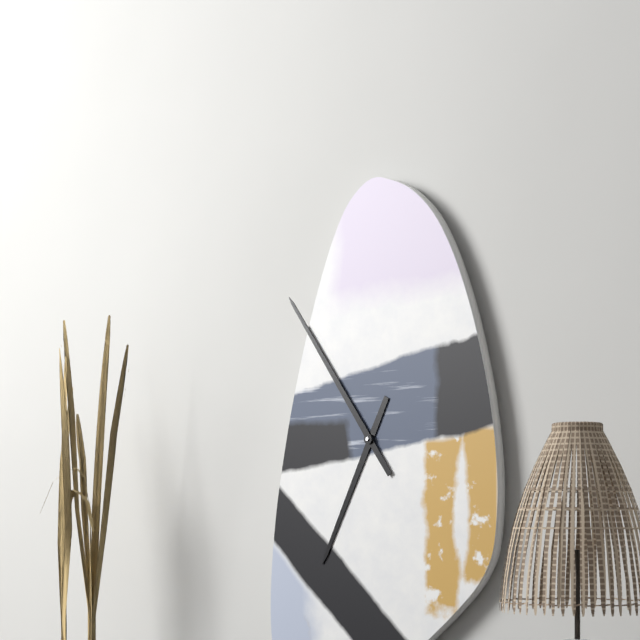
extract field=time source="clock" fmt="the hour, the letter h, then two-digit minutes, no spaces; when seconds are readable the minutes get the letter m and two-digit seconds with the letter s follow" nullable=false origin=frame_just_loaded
6h54
